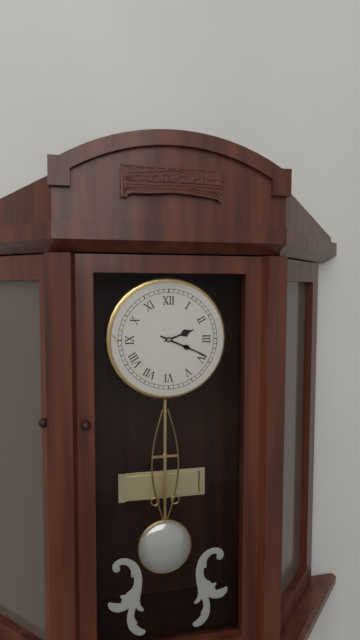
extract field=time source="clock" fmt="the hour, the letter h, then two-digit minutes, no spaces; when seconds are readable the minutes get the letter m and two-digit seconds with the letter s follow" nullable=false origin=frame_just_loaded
2h19
